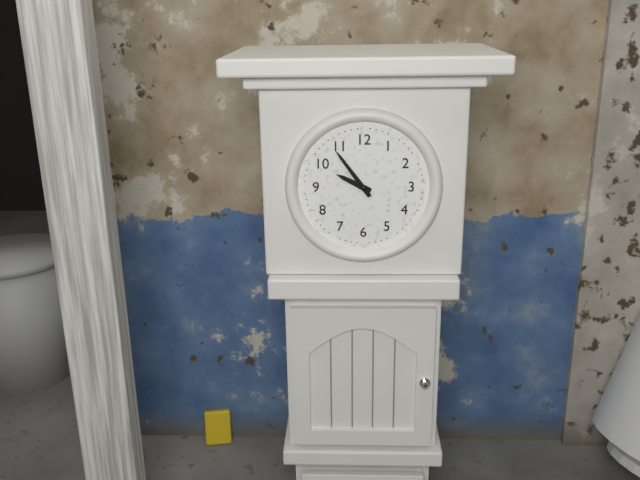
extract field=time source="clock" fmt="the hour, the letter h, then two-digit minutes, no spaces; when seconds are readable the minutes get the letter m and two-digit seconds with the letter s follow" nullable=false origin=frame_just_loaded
9h54
